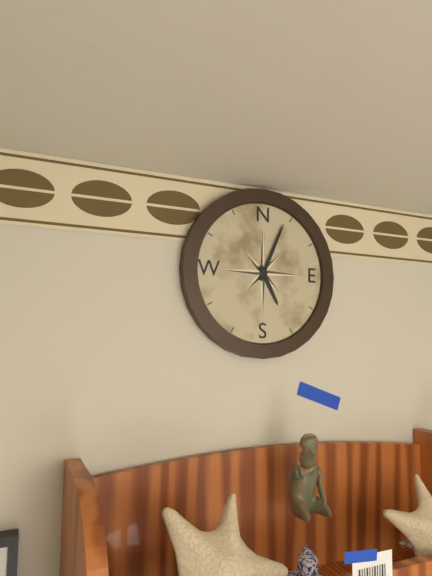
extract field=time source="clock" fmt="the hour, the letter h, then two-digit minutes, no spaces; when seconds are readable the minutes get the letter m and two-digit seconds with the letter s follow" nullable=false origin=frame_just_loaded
5h04
